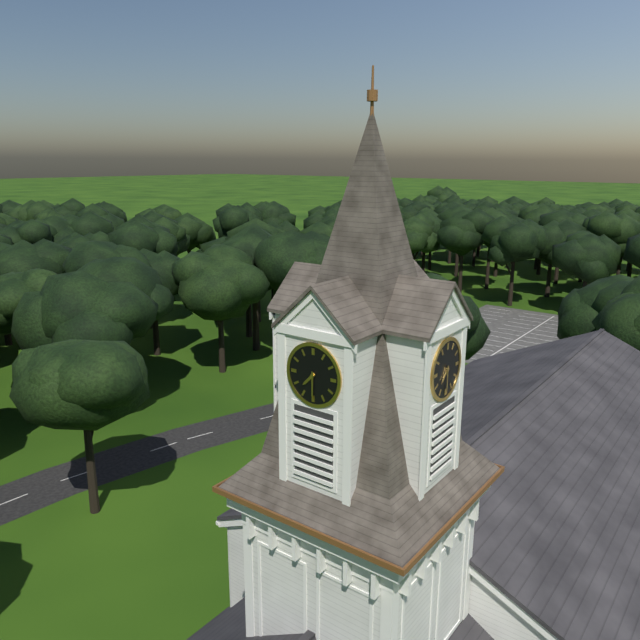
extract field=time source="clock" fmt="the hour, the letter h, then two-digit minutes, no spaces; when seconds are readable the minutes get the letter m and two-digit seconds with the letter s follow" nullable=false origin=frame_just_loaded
7h30
